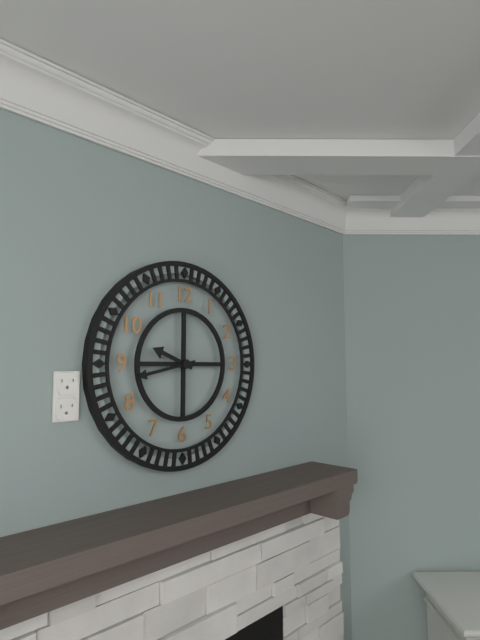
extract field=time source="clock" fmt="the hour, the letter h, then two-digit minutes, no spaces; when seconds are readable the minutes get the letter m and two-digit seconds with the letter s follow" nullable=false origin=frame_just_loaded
9h43
